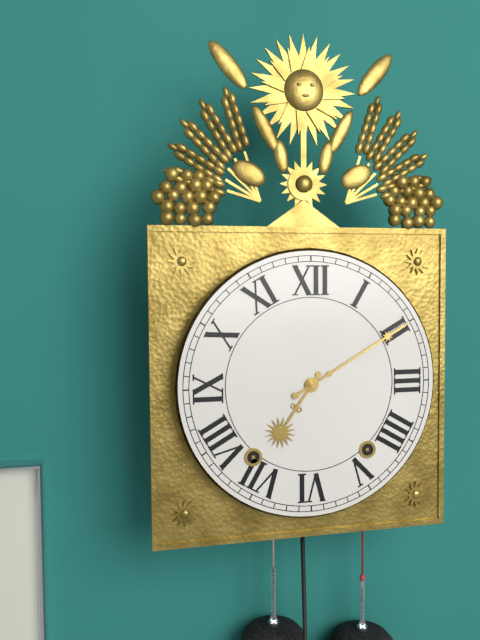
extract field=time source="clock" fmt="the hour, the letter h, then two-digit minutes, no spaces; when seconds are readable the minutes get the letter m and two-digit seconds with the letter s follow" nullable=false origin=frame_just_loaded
7h10
